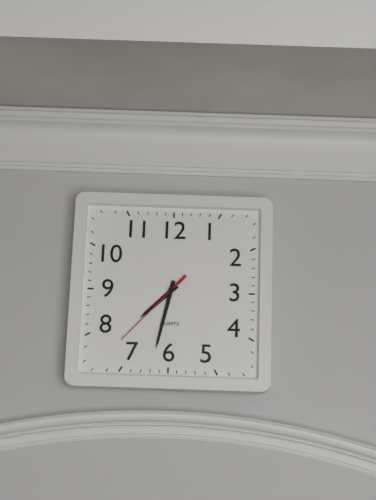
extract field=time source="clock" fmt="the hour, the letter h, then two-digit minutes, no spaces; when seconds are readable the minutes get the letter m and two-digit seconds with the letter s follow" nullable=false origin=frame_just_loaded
7h32m37s
